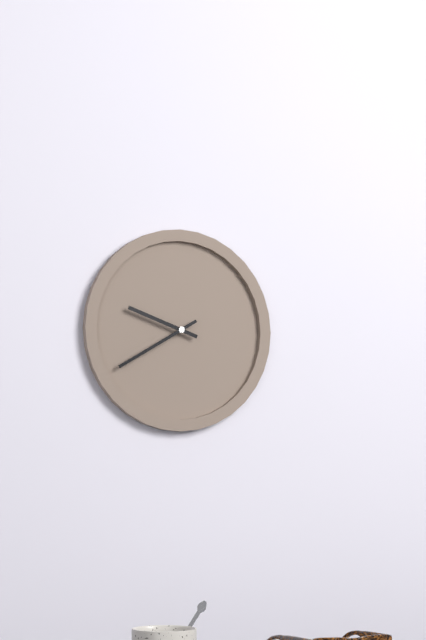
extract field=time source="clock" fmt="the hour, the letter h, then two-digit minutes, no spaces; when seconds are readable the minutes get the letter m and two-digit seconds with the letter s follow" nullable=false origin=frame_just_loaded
9h40
